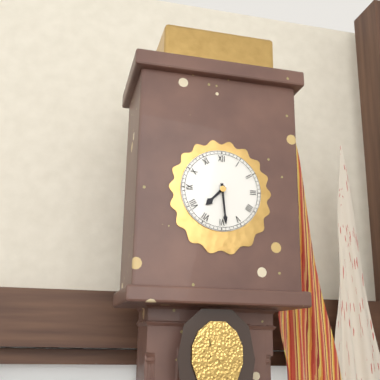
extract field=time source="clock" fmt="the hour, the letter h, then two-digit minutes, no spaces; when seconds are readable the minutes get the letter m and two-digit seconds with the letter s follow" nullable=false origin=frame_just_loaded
7h29
